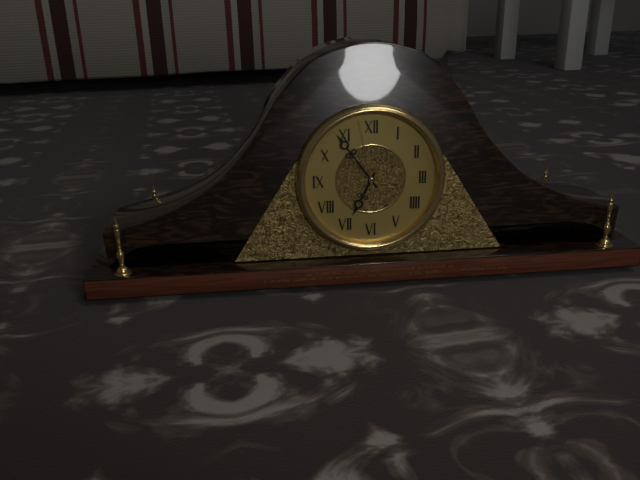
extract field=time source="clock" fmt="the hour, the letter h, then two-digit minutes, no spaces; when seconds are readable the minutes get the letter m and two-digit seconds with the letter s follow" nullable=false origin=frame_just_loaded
6h54m58s
